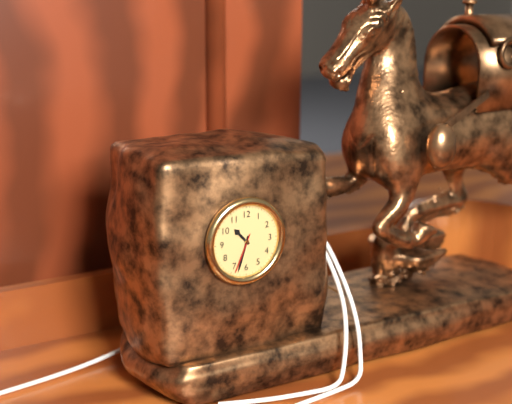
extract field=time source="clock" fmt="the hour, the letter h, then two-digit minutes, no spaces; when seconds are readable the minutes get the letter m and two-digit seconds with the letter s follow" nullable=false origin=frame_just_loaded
10h33
